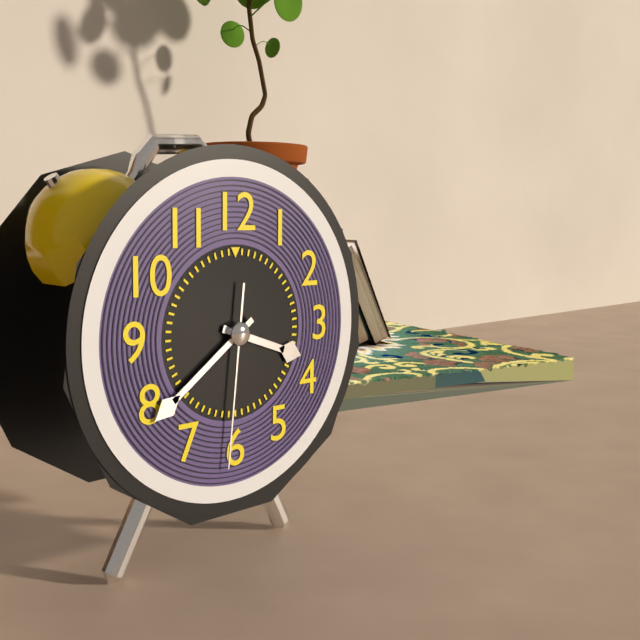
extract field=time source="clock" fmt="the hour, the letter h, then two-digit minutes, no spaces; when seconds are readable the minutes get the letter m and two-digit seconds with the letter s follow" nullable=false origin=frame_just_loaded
3h39m31s
